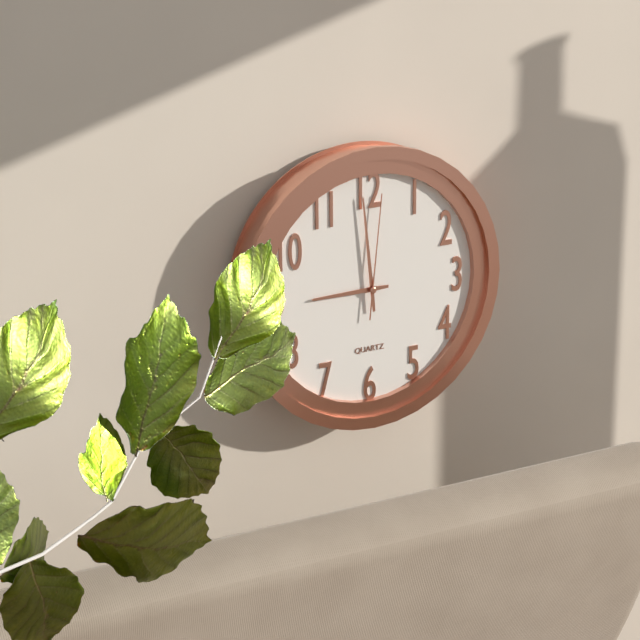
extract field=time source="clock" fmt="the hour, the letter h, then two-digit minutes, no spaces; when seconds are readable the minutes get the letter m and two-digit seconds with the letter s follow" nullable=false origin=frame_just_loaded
8h59m01s
